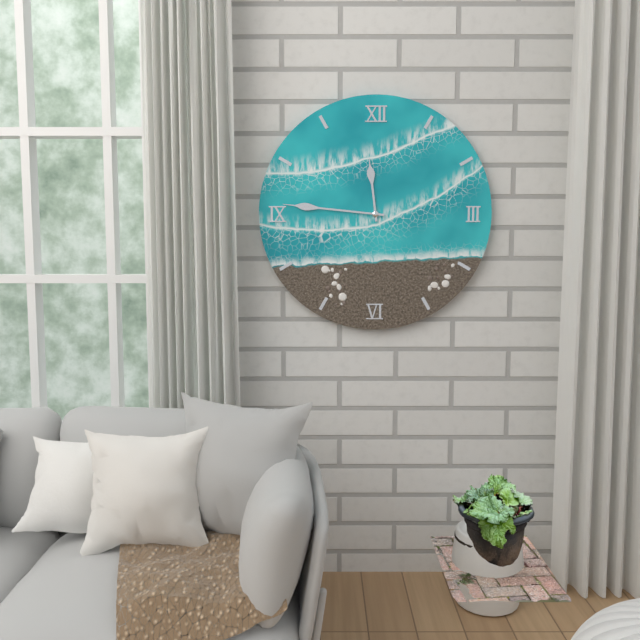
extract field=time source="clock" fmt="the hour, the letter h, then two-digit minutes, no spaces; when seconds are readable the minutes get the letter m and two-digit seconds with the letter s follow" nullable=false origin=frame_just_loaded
11h46
